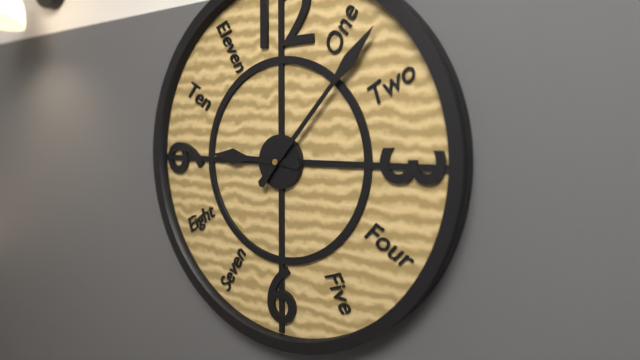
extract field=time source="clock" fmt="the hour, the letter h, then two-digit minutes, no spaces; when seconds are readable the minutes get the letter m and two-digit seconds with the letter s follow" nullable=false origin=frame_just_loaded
9h07
